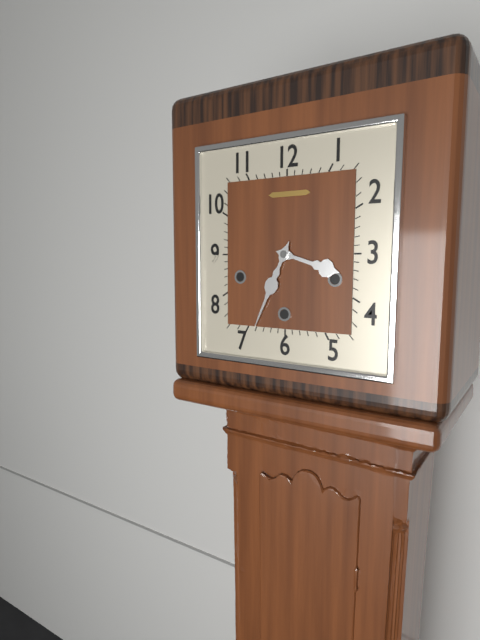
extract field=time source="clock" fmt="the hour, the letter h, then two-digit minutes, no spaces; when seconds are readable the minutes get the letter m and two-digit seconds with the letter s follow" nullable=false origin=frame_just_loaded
3h34
